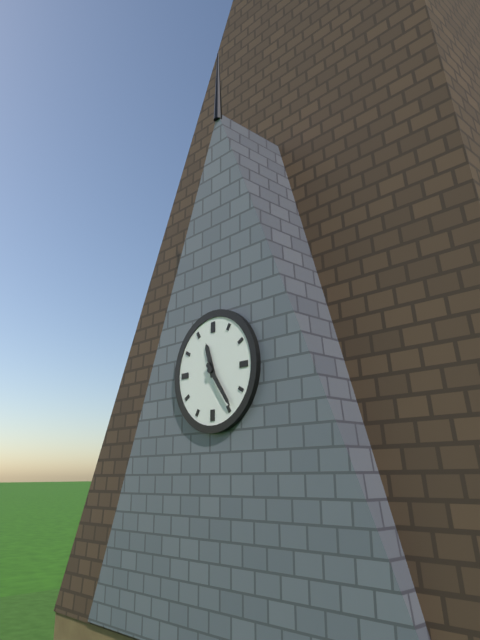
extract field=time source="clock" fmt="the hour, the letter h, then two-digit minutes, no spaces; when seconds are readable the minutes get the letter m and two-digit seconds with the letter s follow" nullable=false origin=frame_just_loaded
11h24
